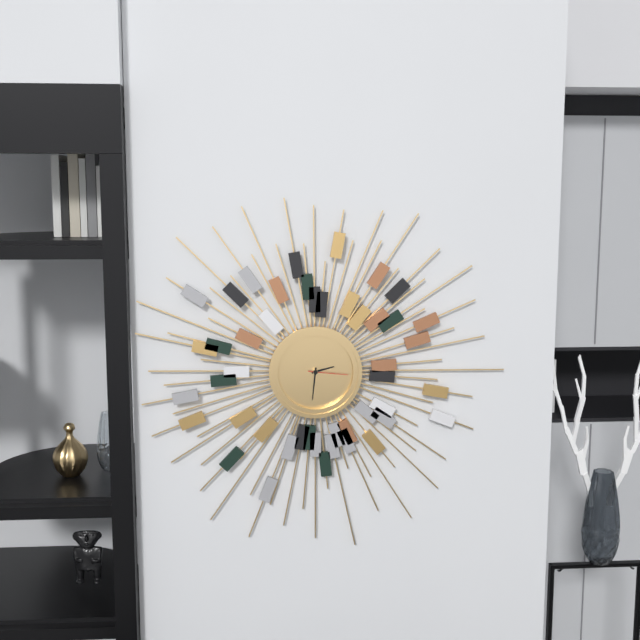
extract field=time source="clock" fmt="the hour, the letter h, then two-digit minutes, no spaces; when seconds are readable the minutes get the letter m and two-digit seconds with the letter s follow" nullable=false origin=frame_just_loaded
2h31
